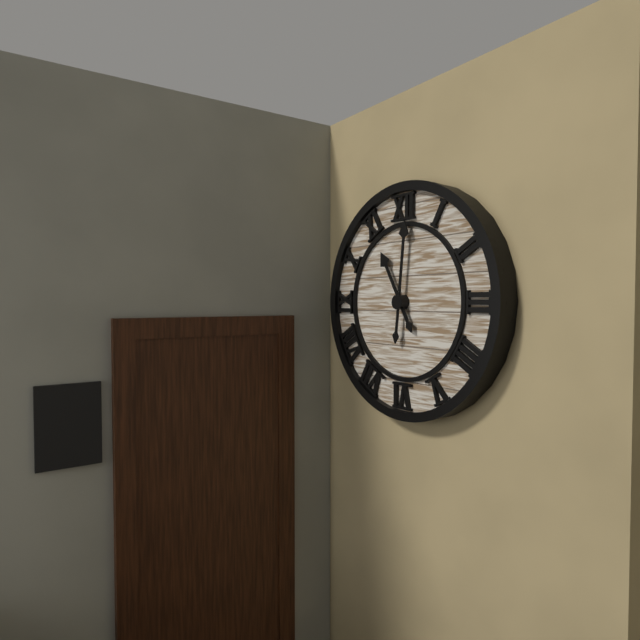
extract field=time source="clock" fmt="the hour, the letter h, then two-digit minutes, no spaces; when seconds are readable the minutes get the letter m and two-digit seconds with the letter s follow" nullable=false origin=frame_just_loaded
11h01
